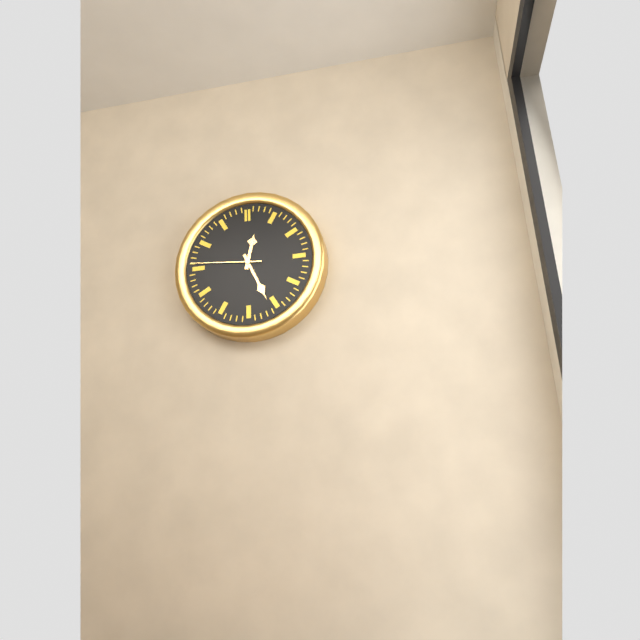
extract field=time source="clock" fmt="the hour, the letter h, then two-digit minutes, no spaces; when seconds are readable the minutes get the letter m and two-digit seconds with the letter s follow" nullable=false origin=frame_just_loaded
12h26m46s
